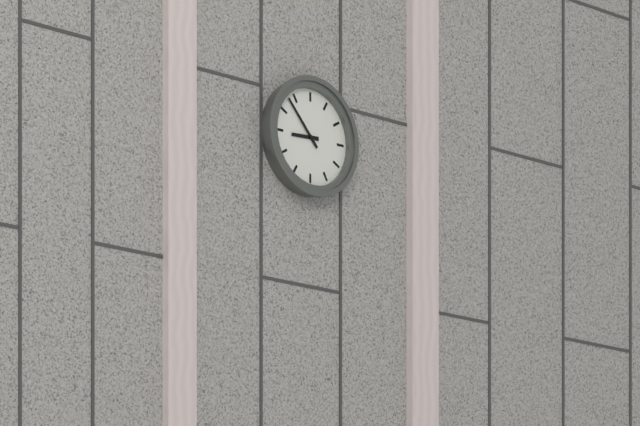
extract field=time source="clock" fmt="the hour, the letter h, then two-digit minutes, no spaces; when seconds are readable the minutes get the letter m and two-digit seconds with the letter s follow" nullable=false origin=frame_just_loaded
8h53
